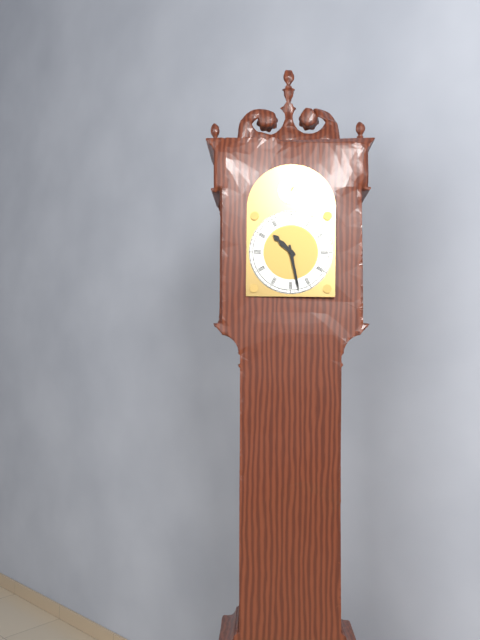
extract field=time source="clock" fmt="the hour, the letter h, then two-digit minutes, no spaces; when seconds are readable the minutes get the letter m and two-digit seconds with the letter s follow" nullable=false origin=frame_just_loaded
10h28
